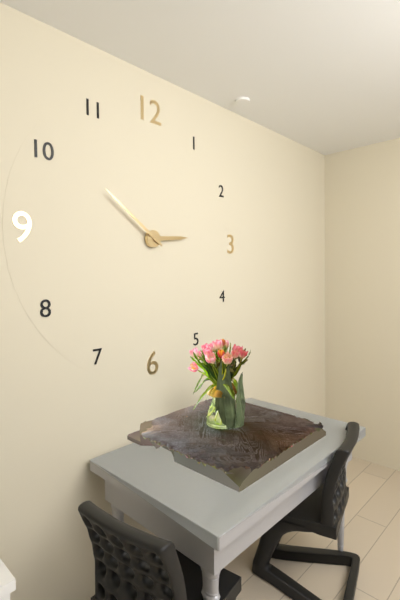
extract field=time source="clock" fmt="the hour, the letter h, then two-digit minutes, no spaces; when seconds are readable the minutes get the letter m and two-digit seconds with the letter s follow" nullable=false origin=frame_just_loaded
2h51
